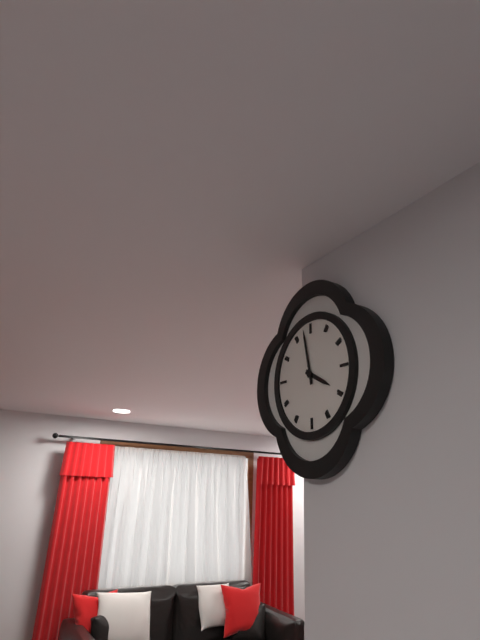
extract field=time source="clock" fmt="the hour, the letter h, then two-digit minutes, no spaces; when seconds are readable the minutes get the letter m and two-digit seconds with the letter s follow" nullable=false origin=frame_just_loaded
3h58
